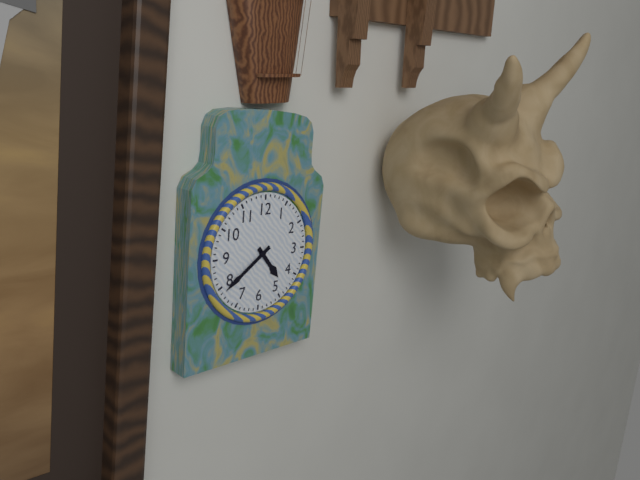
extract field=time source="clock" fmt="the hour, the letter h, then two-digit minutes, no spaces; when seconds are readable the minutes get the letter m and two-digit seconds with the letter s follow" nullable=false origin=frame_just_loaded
4h39
